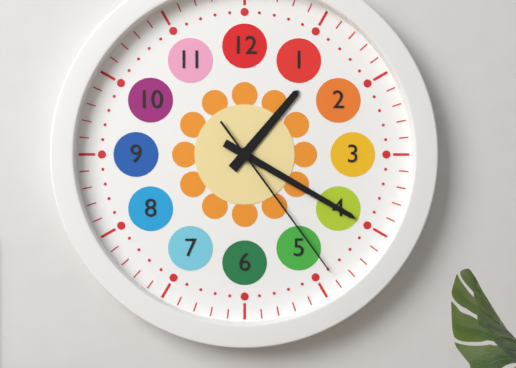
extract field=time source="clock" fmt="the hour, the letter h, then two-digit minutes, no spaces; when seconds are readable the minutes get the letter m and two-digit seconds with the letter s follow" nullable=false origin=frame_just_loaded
1h20m24s
